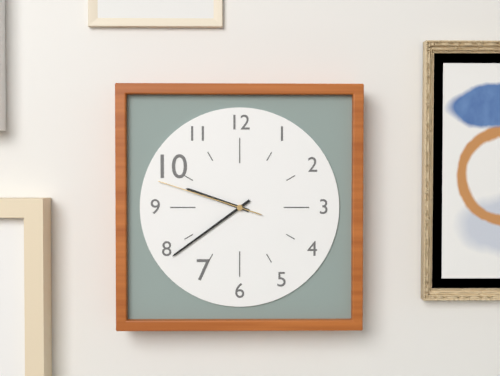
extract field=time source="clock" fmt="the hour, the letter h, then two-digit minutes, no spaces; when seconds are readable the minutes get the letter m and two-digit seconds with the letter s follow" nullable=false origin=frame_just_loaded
9h39m48s
